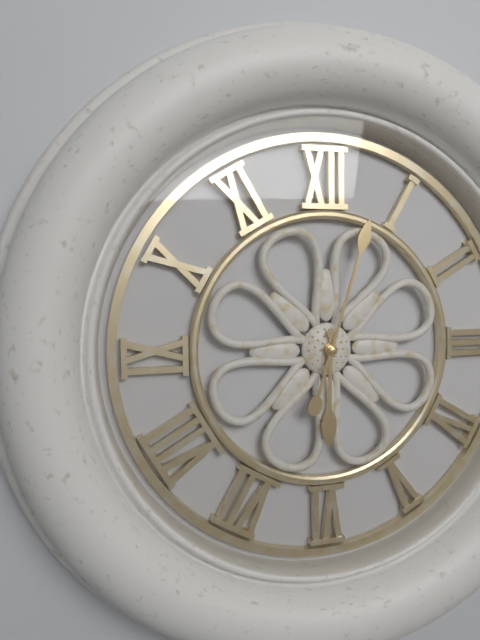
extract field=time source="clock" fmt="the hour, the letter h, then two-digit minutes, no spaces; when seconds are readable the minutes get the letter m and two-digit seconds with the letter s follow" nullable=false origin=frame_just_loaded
6h03
